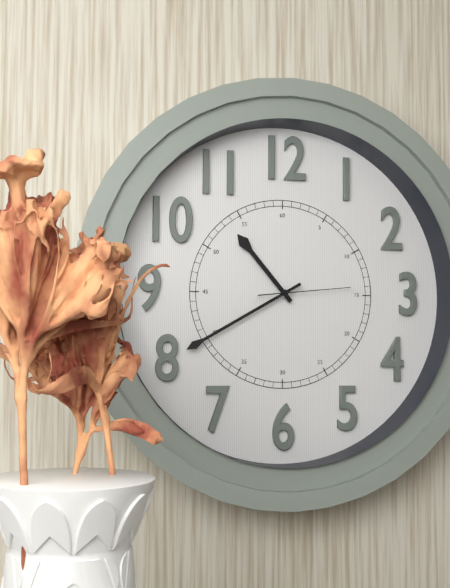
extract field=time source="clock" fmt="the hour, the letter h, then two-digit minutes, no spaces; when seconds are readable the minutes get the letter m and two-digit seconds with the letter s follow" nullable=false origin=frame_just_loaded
10h40m14s
